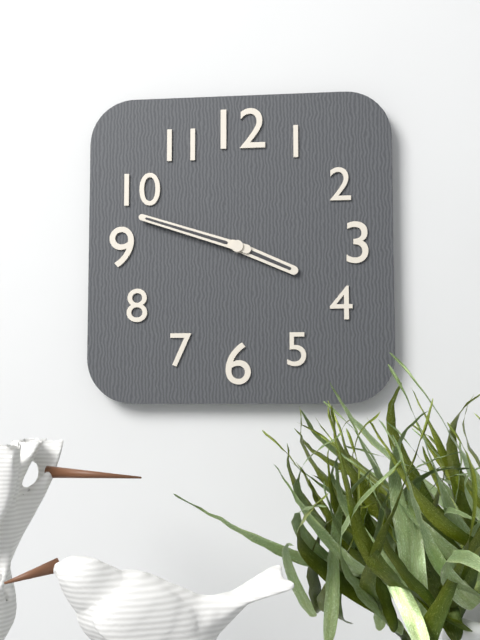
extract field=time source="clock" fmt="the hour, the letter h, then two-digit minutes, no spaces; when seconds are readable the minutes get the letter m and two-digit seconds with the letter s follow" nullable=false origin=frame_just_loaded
3h48
